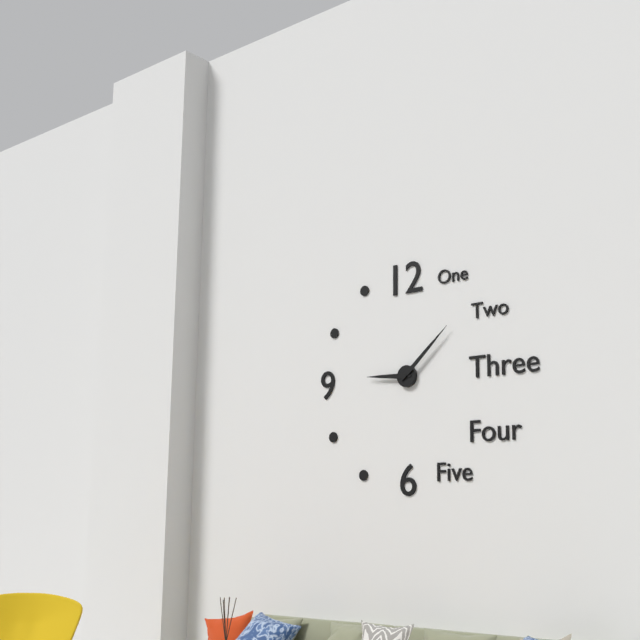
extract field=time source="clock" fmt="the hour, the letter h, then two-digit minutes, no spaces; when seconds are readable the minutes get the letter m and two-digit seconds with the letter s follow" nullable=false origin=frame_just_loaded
9h08
